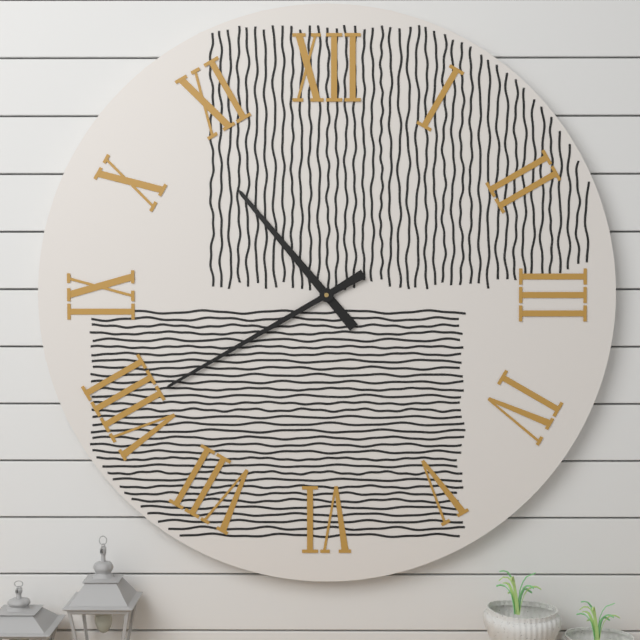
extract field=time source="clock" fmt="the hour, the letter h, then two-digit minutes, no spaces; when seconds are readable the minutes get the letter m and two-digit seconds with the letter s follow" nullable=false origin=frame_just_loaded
10h40
